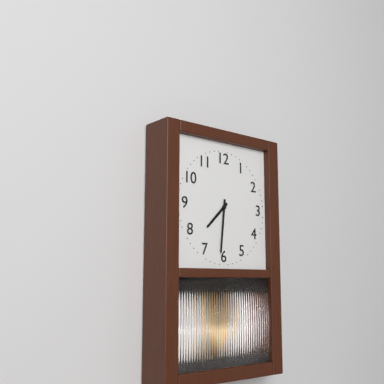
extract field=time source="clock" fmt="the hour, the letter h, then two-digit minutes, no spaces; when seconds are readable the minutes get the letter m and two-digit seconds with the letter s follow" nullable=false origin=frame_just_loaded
7h31
